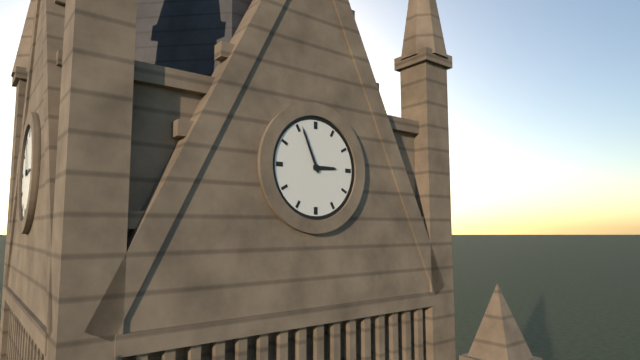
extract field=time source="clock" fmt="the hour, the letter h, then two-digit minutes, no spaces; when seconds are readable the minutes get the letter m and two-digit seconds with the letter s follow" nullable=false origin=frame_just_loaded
2h56
